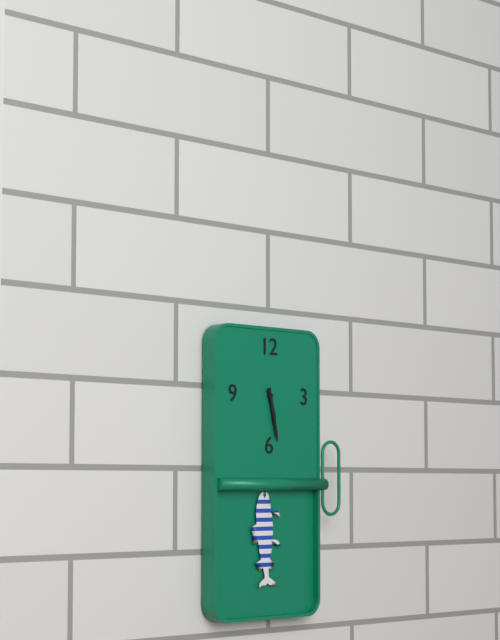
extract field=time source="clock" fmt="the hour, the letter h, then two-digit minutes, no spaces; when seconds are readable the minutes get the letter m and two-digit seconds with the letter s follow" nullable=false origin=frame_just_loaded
5h28
